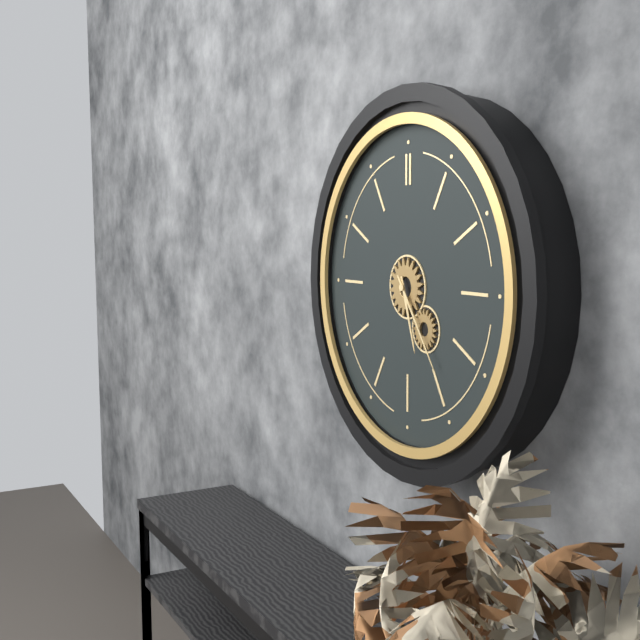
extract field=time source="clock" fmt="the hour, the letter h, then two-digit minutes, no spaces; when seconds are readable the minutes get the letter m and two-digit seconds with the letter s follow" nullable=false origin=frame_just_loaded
5h24
